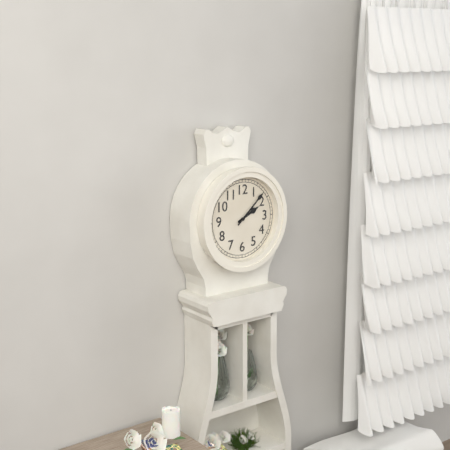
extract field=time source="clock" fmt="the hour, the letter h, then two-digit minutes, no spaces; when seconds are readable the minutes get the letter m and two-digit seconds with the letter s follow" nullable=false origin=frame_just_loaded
2h08
